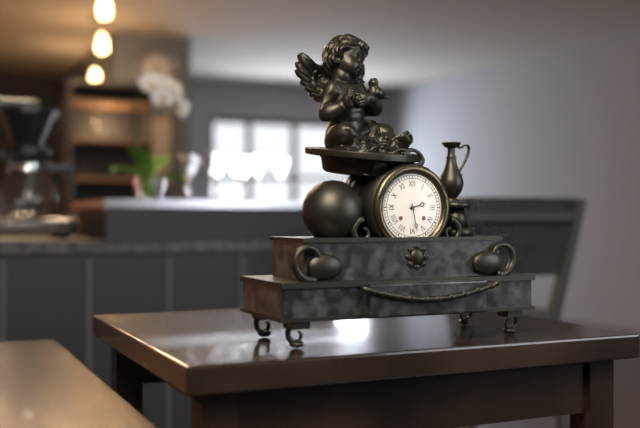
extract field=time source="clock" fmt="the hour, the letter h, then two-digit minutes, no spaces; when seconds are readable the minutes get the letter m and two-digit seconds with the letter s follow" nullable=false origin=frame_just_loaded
2h28
